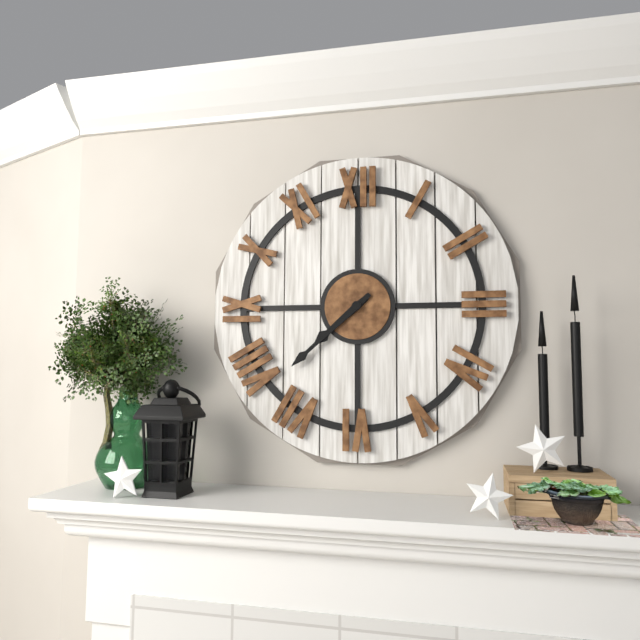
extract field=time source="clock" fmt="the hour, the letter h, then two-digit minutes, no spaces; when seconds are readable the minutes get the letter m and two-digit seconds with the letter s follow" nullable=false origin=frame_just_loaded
7h38
